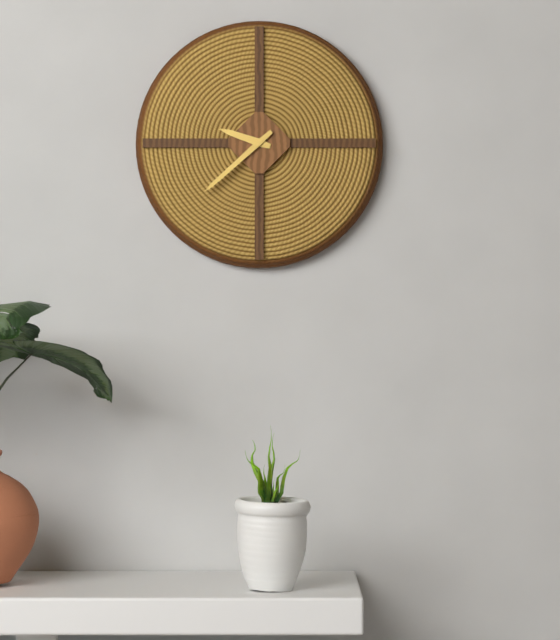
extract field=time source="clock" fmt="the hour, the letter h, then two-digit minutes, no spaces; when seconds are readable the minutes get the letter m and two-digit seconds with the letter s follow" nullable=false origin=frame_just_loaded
9h38
